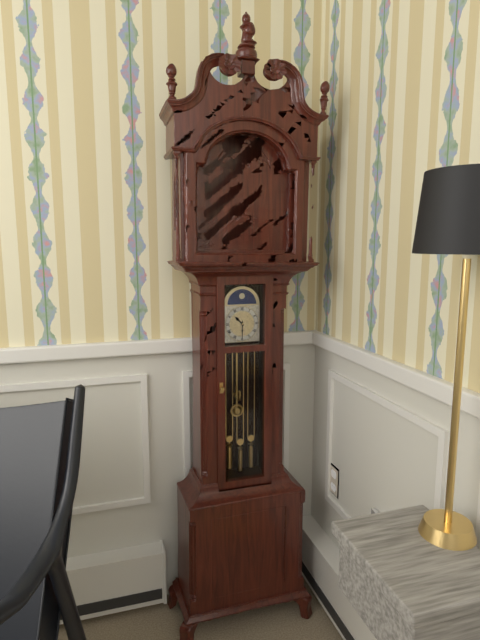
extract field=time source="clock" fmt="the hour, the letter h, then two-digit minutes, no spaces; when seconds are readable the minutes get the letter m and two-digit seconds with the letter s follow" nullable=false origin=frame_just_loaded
10h30
